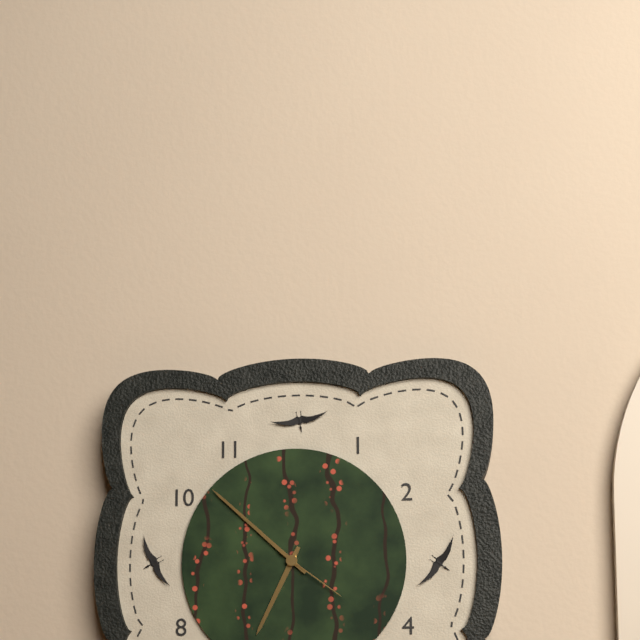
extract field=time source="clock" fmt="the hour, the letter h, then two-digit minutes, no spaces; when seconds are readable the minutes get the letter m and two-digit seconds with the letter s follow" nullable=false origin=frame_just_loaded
6h52m21s
